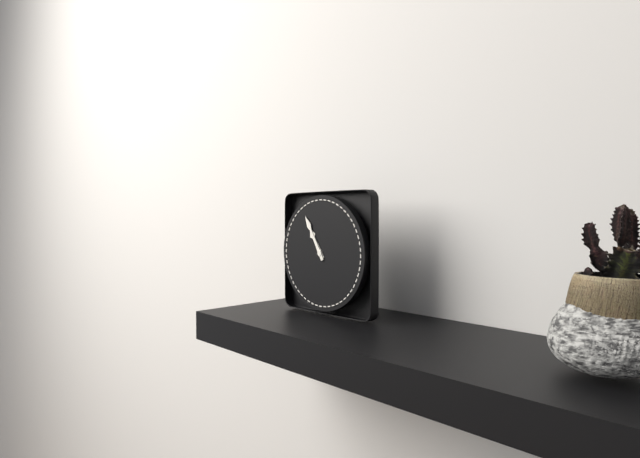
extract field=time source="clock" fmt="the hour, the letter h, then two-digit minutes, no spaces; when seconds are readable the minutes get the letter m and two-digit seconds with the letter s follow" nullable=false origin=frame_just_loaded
10h55
